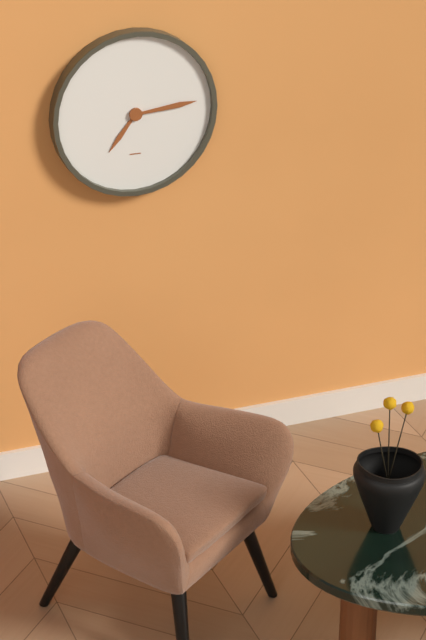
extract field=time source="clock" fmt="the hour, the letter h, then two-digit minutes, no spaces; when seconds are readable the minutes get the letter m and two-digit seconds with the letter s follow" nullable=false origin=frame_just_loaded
7h14
